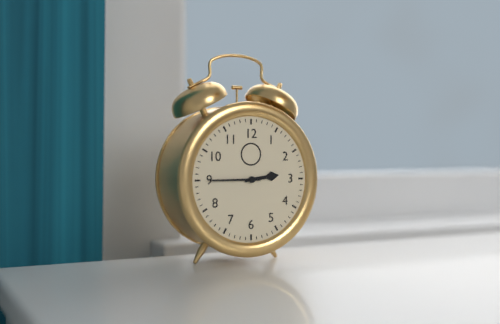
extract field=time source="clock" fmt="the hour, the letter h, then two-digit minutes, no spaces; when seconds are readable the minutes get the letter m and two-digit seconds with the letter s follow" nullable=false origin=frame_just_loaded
2h45
